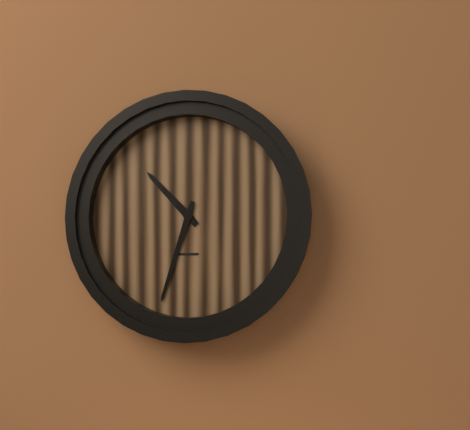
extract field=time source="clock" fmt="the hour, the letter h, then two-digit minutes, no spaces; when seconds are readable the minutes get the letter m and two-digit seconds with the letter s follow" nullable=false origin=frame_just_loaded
10h33
